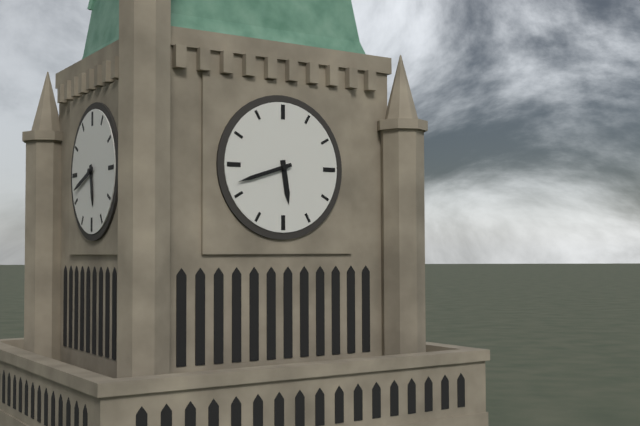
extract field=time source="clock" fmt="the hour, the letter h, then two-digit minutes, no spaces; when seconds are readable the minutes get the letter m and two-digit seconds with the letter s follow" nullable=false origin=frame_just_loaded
5h42
